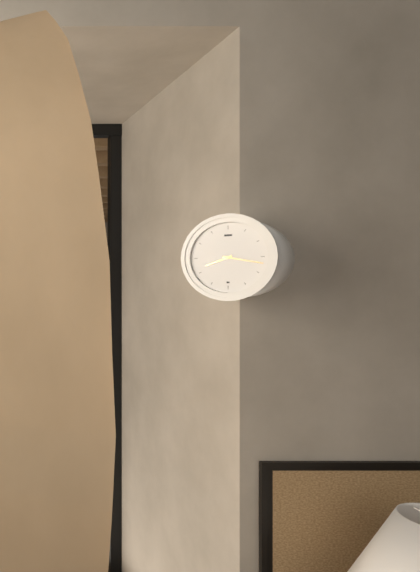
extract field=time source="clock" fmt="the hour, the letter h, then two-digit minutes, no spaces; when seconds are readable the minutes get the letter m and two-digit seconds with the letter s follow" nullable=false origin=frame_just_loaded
8h17
